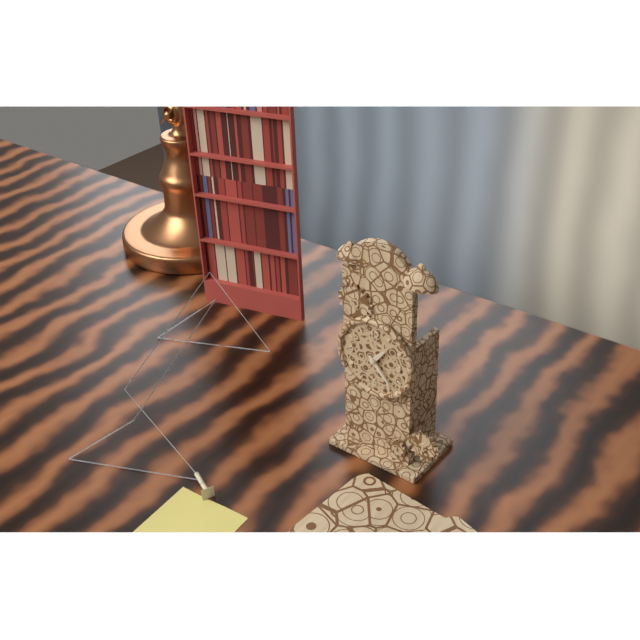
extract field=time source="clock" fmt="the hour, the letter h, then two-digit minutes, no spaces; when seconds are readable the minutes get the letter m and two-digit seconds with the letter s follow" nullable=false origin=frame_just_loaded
1h23
